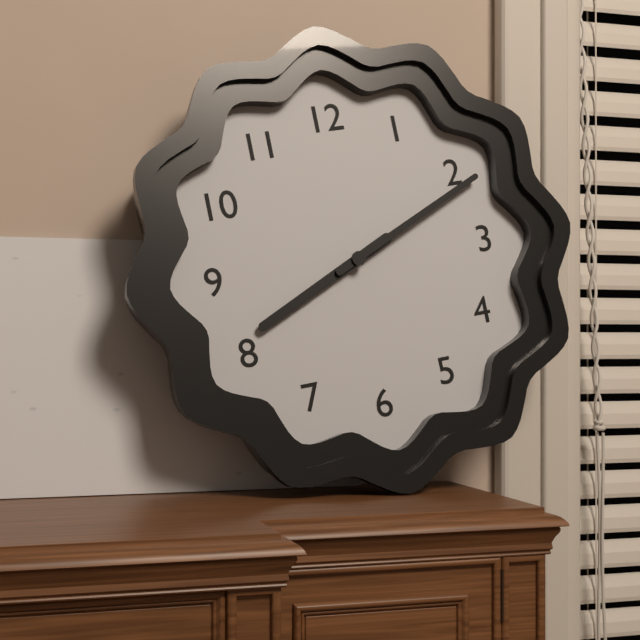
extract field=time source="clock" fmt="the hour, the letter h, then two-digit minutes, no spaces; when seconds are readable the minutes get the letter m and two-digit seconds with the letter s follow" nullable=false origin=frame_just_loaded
8h11
